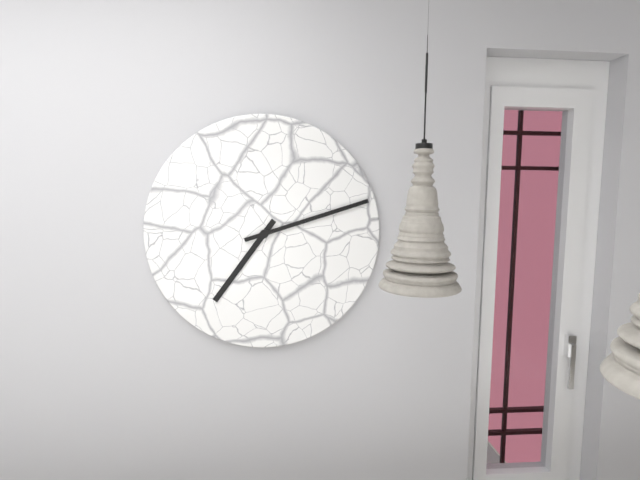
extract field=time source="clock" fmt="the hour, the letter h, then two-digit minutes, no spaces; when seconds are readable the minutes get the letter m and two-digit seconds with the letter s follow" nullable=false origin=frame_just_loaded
7h12
